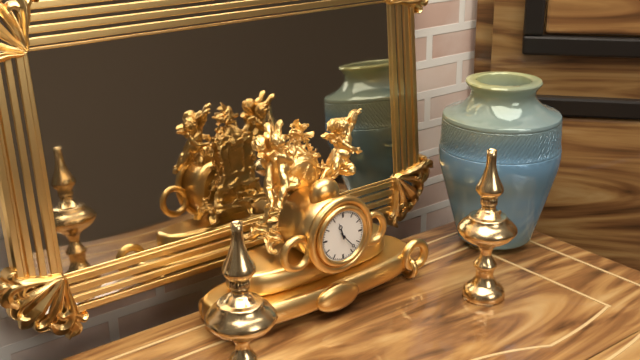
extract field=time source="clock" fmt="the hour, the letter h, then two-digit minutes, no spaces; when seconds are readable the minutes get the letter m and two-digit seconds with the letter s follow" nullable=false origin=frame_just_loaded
11h23
